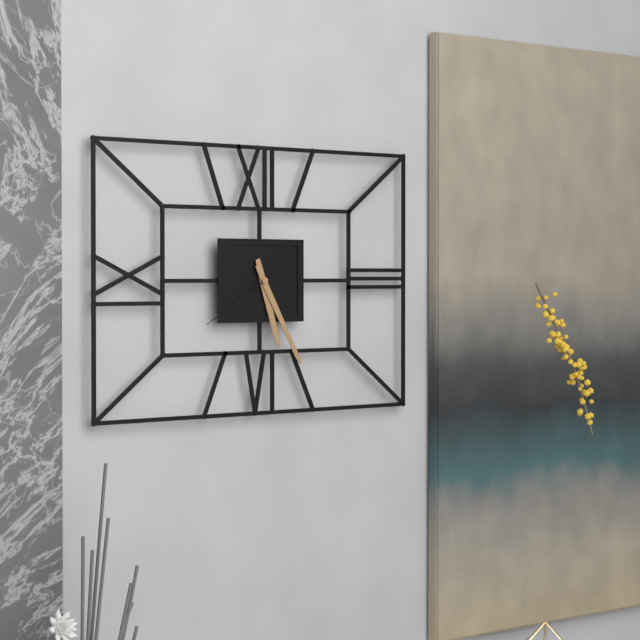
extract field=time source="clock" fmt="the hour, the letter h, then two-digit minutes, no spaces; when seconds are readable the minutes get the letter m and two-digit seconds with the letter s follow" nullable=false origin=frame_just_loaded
5h25m40s
